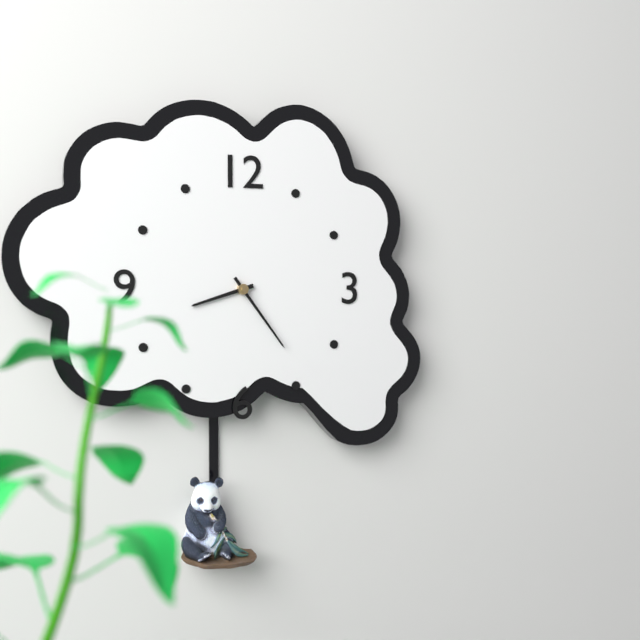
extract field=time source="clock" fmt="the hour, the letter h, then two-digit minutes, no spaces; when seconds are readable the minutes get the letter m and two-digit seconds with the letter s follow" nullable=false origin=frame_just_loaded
8h24
